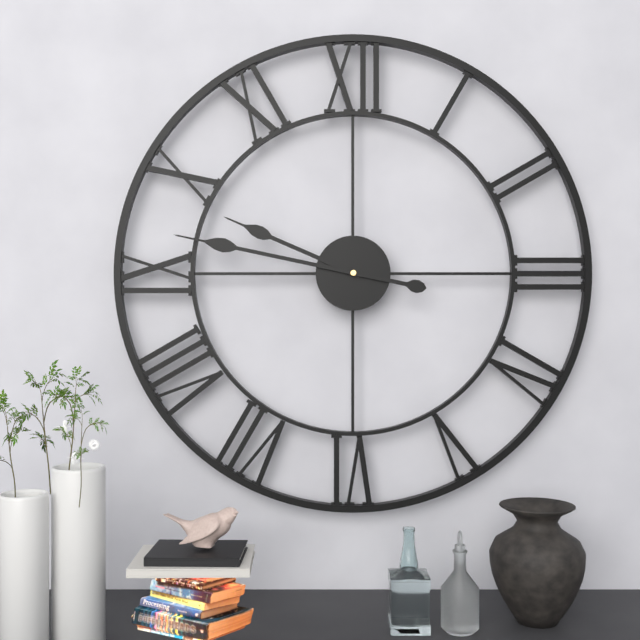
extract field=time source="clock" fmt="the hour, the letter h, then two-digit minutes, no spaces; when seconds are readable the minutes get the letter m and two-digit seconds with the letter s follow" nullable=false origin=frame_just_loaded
9h47
